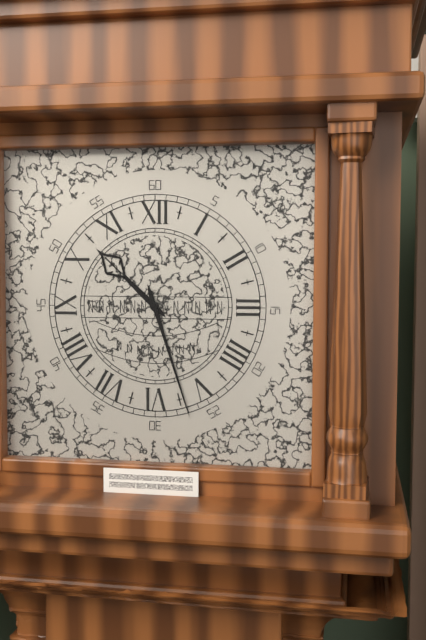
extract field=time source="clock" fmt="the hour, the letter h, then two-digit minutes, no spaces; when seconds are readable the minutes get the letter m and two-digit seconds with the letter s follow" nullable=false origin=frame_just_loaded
10h27
